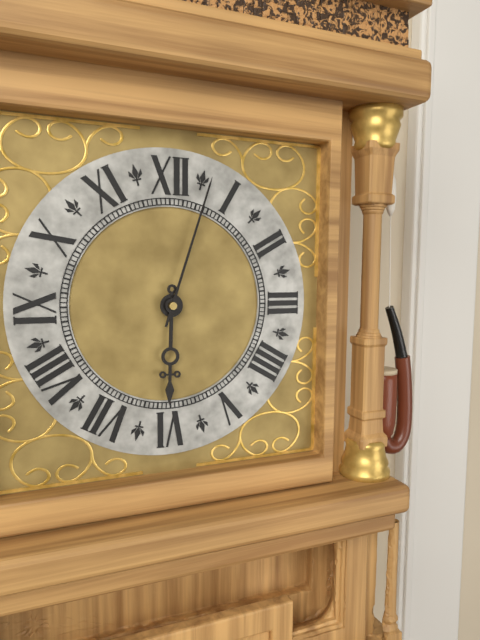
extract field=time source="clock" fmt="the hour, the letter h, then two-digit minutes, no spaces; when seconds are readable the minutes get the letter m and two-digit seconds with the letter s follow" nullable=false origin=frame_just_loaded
6h03
